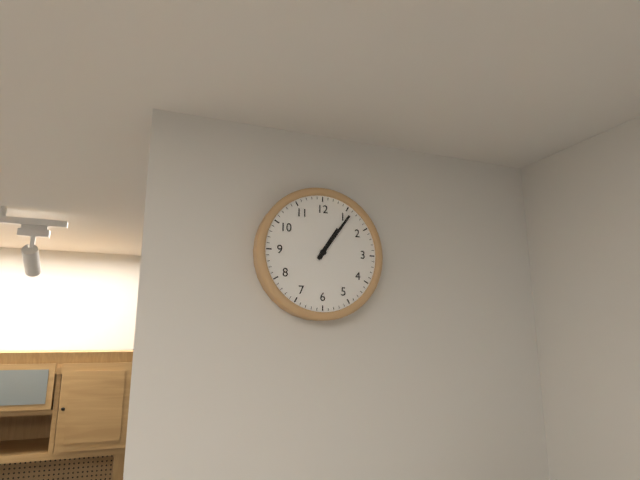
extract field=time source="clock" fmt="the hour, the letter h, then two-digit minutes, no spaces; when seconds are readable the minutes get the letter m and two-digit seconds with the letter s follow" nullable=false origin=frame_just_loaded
1h06
